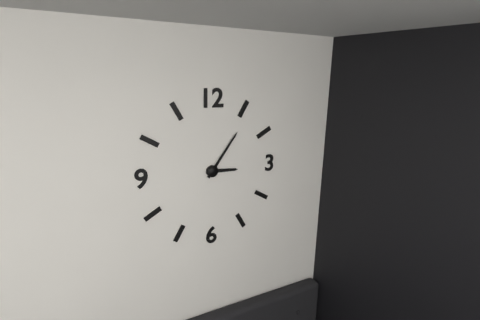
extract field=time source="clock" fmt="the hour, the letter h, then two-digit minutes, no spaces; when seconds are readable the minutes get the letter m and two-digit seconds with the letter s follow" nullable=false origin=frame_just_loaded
3h06
